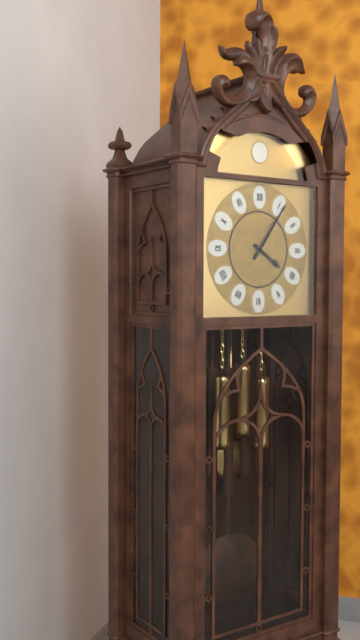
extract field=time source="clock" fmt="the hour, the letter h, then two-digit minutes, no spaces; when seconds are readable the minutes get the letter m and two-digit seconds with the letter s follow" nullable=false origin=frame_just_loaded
4h06
